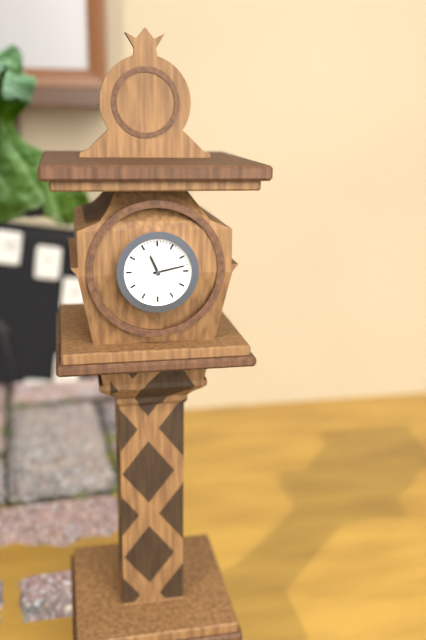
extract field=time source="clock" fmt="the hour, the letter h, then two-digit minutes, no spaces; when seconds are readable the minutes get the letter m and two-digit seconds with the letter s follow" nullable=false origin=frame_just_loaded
11h13
